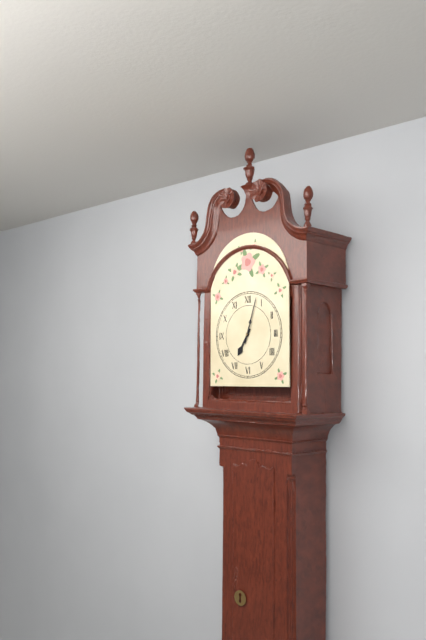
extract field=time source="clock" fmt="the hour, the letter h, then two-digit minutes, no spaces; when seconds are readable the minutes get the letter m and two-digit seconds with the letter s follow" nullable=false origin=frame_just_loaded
7h03
